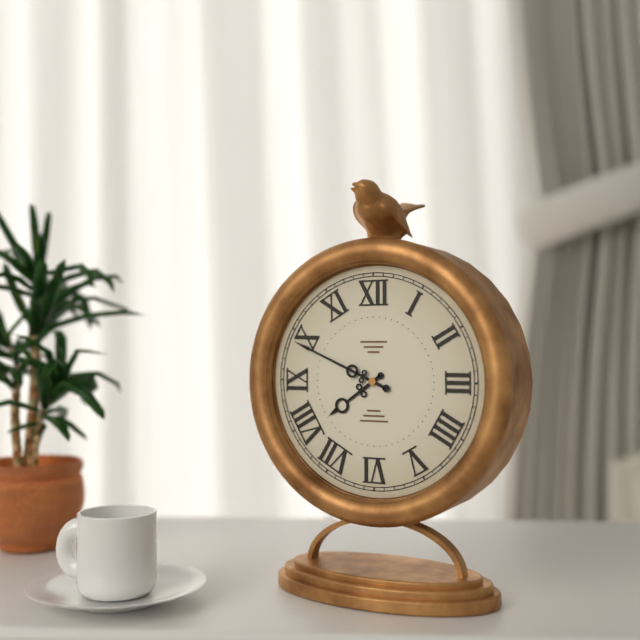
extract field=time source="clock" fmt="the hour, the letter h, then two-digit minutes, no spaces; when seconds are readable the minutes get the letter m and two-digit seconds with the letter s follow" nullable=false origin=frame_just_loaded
7h49
